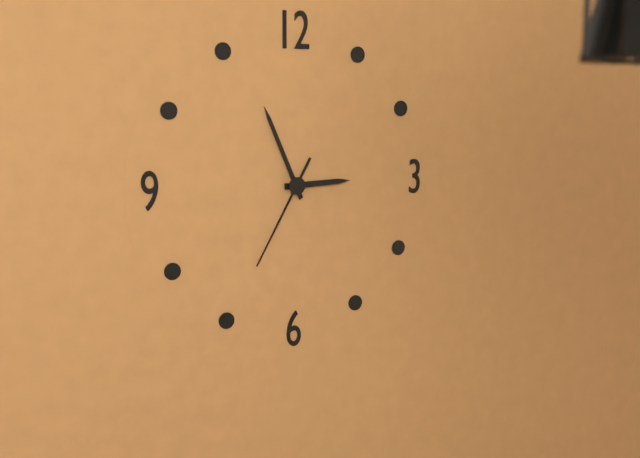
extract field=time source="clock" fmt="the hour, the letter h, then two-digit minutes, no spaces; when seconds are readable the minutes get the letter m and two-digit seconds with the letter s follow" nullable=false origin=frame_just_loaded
2h56m35s
